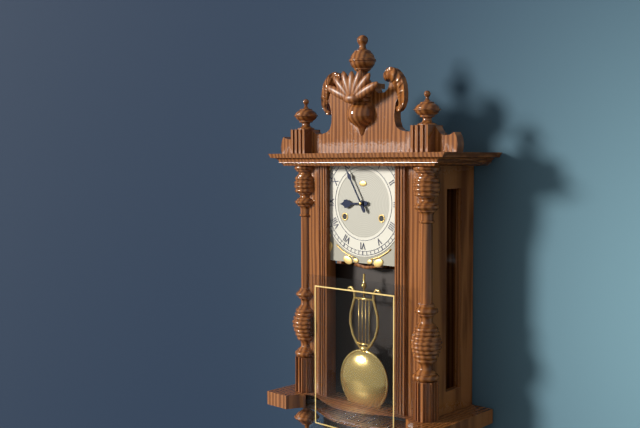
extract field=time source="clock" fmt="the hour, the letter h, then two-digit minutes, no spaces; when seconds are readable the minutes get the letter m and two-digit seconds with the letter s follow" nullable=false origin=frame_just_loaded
8h55
